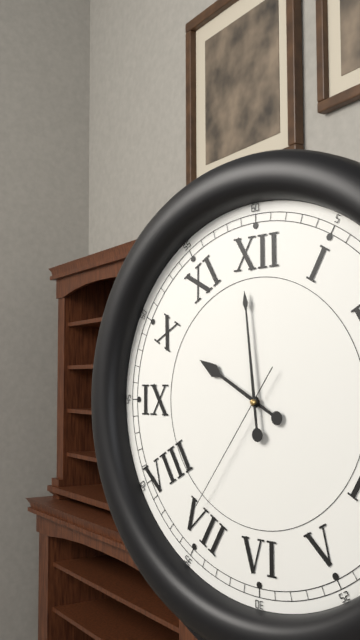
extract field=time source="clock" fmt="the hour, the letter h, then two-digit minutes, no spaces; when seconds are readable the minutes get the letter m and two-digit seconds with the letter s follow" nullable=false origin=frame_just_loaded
9h59m36s
